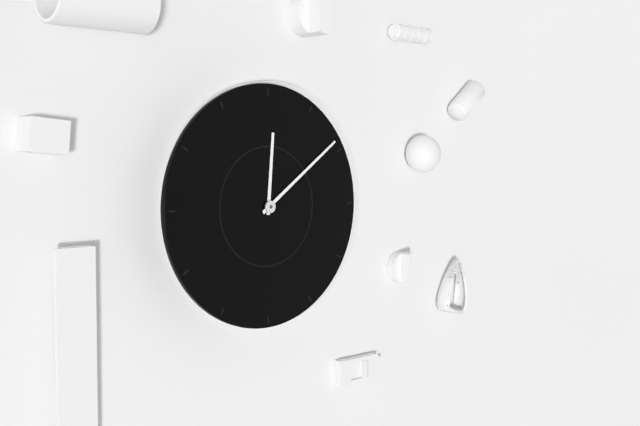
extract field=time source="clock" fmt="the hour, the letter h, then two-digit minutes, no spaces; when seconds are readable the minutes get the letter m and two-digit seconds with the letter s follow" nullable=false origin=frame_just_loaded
12h09
